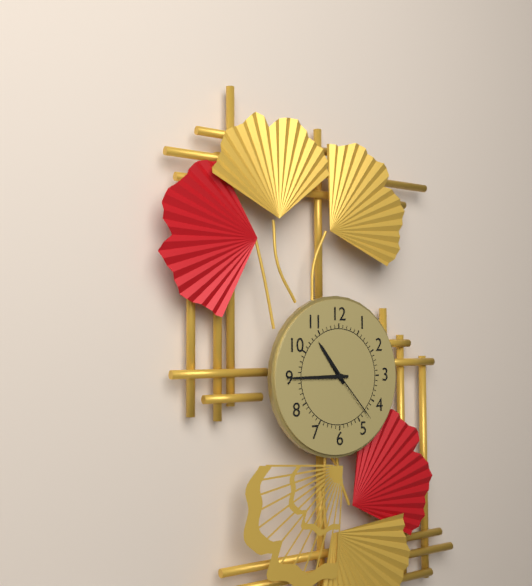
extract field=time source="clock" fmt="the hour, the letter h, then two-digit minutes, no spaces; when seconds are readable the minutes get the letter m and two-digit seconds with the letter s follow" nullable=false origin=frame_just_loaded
10h45m23s
